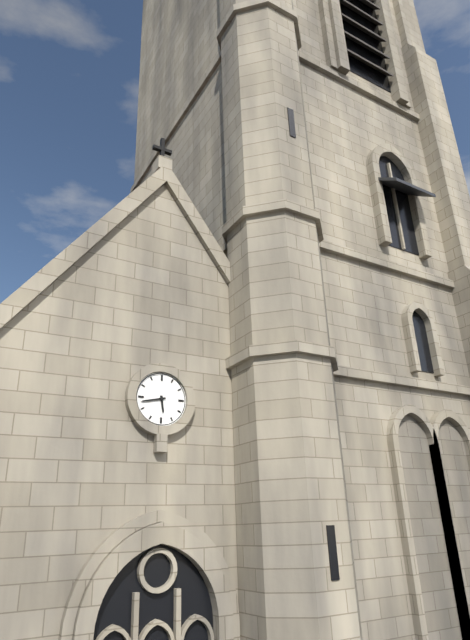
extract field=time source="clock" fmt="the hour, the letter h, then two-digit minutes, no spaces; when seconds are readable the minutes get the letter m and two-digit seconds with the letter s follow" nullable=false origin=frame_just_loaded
5h43
